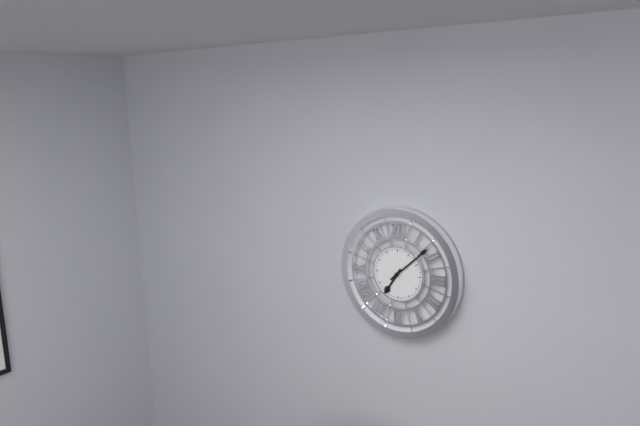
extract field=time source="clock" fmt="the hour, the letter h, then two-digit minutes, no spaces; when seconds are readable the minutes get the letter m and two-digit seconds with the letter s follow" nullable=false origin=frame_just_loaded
7h08
